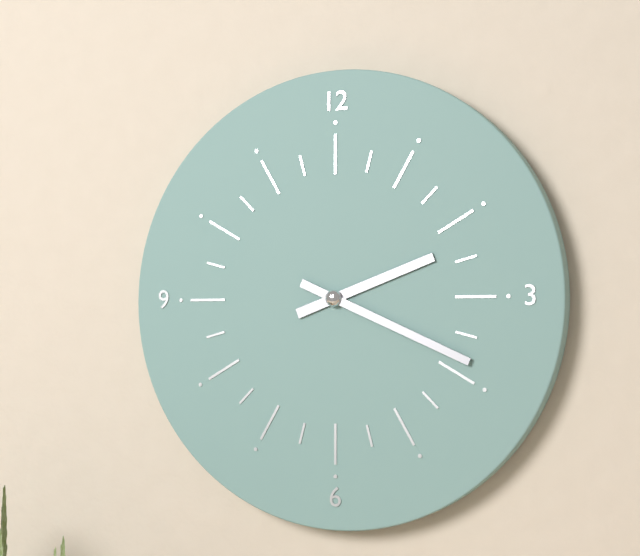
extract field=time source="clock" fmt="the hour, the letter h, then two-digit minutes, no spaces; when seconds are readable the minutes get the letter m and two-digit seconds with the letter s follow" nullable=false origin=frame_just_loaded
2h19
